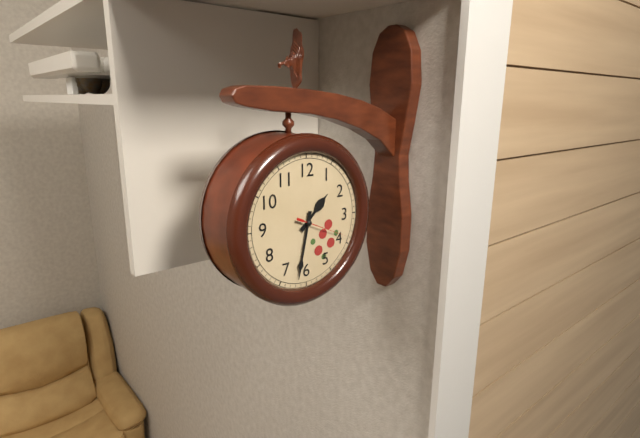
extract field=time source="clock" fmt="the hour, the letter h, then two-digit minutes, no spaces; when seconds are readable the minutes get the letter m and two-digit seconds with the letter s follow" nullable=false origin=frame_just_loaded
1h32m19s
